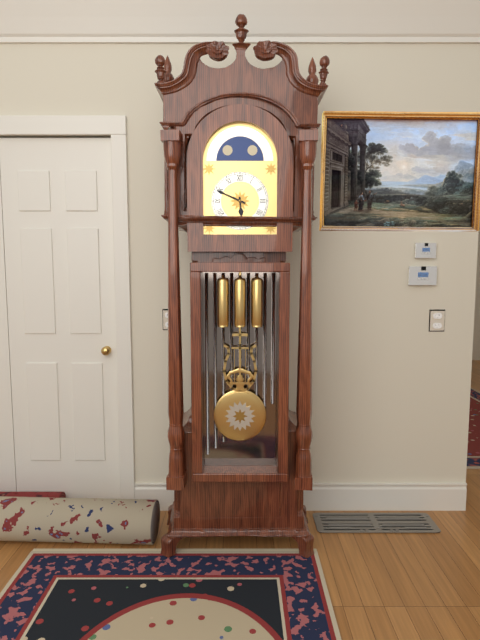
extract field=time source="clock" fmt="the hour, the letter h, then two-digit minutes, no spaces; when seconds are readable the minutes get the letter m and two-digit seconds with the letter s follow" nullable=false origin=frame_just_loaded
5h49
